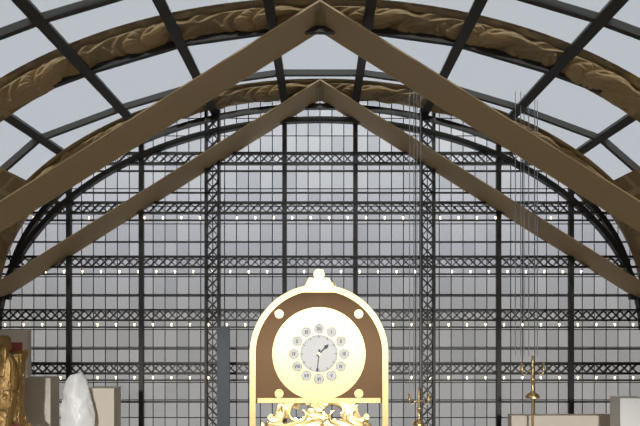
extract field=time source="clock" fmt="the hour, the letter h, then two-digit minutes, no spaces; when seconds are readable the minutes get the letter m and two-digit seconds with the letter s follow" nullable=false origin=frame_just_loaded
1h31
